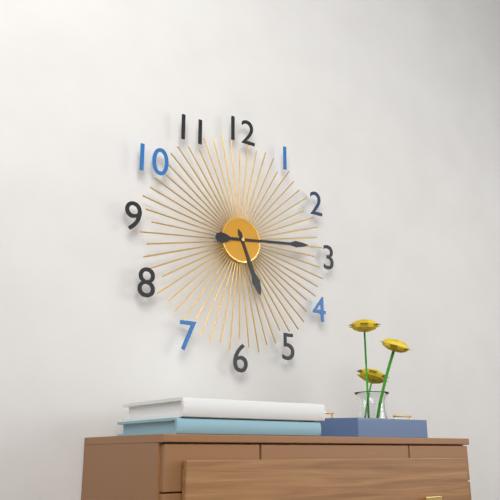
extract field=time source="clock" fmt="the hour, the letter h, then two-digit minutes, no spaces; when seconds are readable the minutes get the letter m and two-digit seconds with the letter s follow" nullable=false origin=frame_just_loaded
5h14
